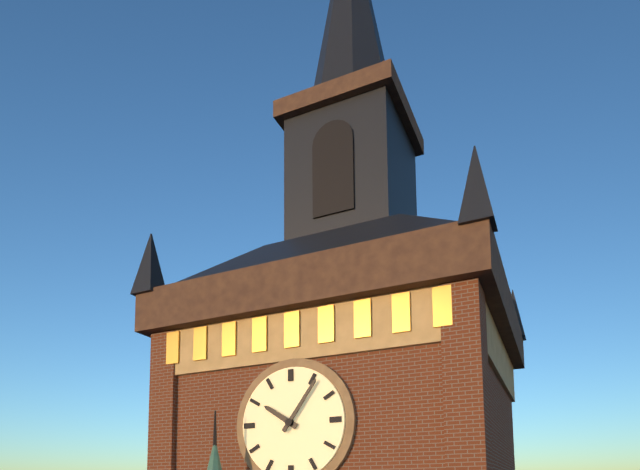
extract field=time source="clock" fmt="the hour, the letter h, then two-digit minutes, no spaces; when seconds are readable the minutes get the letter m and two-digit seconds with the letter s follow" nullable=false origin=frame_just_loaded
10h06
